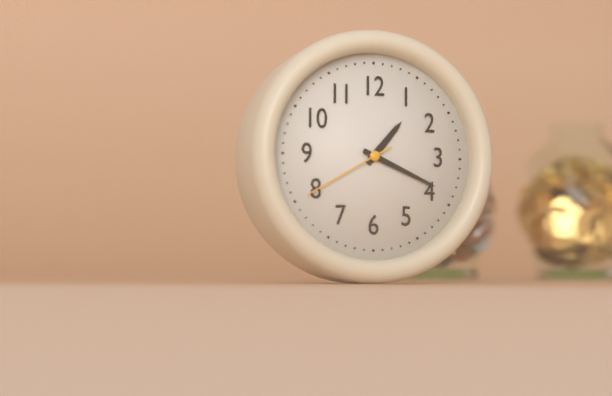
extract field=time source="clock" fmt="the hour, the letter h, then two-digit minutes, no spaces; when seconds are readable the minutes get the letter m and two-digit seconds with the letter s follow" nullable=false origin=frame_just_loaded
1h19m40s
